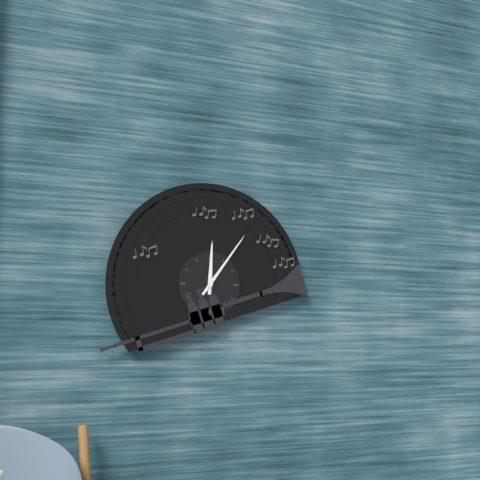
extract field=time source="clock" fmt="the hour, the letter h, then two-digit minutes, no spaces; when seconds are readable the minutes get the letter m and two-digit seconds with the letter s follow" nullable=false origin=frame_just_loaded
12h06
